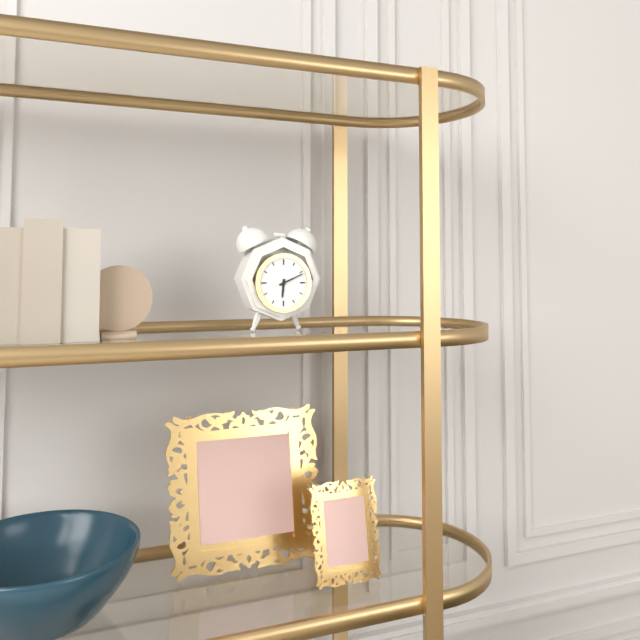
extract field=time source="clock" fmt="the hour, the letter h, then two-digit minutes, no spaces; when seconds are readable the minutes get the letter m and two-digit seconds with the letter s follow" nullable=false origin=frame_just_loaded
6h11
